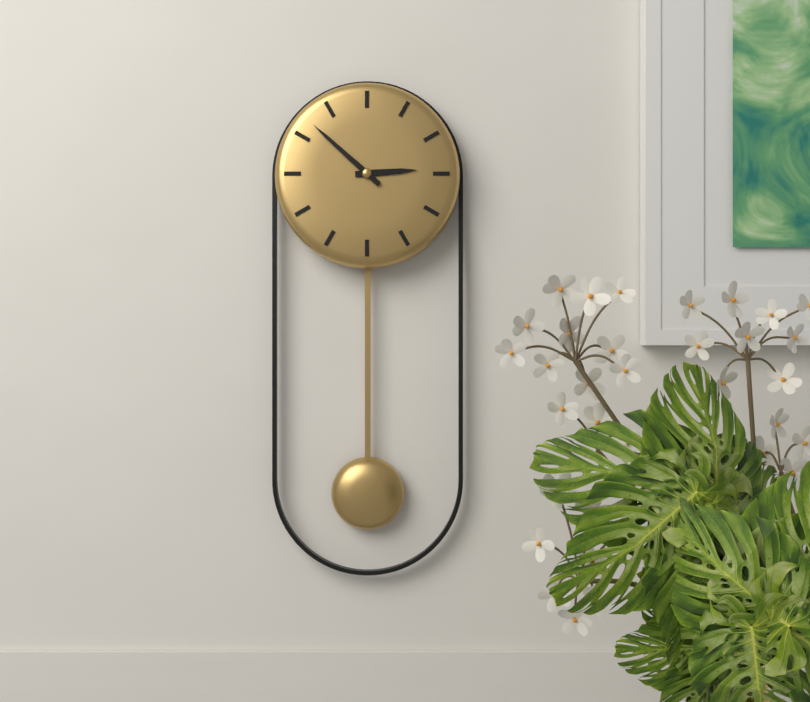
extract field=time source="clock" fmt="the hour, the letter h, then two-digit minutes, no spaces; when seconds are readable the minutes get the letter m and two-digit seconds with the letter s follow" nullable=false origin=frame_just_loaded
2h52
